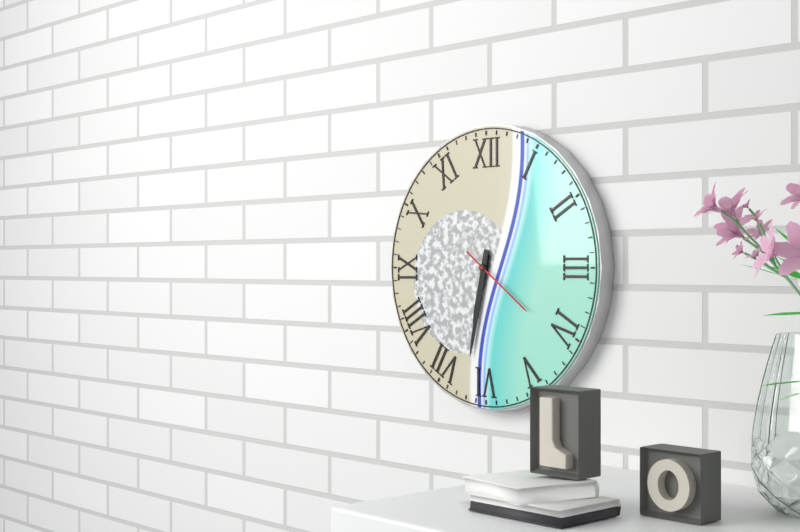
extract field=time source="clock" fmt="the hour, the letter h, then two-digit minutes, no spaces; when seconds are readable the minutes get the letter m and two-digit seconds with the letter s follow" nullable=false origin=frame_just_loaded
6h32m21s
